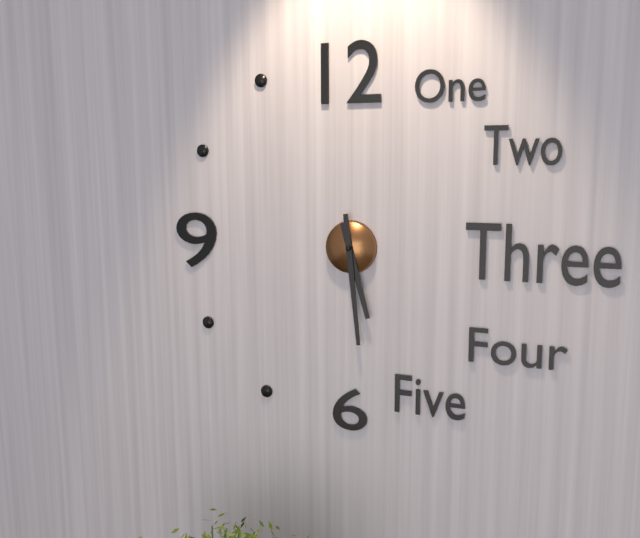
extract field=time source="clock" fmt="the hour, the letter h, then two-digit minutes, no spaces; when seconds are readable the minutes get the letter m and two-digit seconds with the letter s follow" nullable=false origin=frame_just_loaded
5h29
